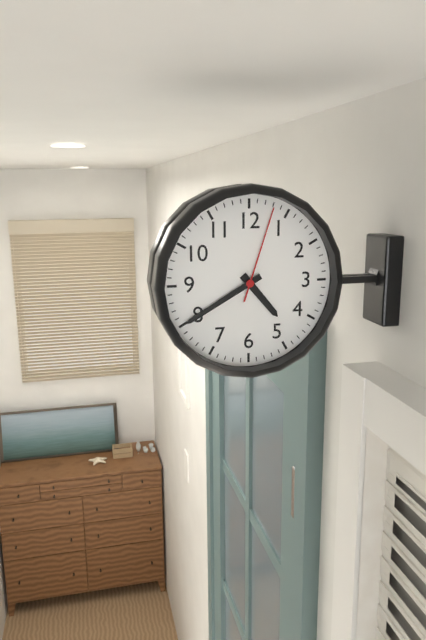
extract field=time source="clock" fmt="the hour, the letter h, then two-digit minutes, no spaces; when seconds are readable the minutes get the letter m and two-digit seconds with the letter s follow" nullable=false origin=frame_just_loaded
4h40m03s
